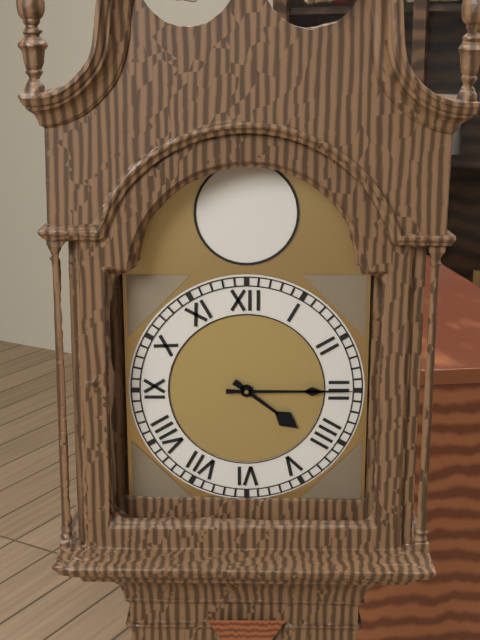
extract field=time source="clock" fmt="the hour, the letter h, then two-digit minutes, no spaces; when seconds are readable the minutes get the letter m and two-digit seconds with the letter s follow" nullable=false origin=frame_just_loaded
4h15
